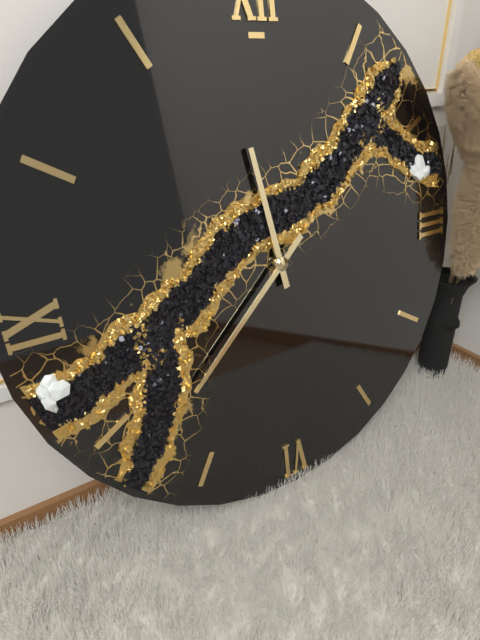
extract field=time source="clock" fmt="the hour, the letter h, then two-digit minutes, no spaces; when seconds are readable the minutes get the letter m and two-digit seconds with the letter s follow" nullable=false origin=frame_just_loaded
11h38
